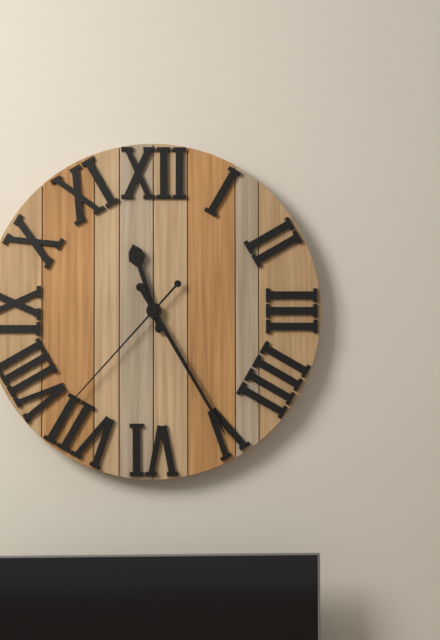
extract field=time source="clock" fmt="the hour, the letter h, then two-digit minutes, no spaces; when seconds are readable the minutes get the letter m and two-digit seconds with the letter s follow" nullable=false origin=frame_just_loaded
11h25m37s
